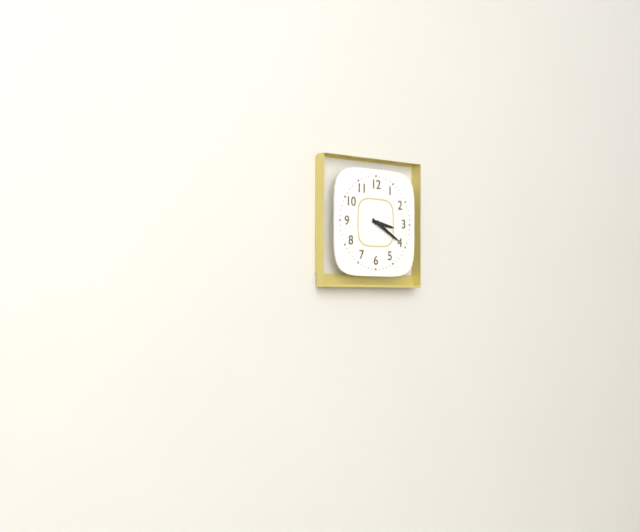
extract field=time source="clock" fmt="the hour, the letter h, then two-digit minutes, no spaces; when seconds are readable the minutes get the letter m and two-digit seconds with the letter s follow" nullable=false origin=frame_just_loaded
3h20
